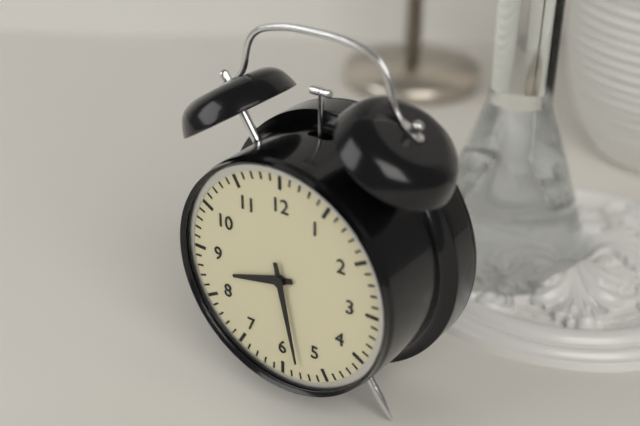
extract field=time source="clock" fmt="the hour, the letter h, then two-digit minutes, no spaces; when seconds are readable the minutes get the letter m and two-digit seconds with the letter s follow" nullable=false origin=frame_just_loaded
8h28
